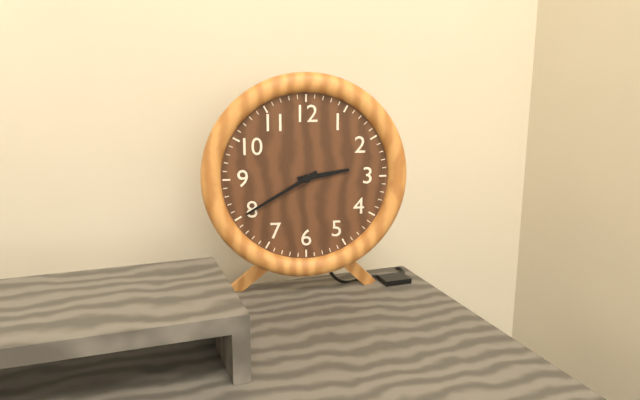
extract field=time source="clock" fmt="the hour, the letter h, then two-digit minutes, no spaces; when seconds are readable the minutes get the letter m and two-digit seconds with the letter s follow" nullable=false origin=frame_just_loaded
2h40
